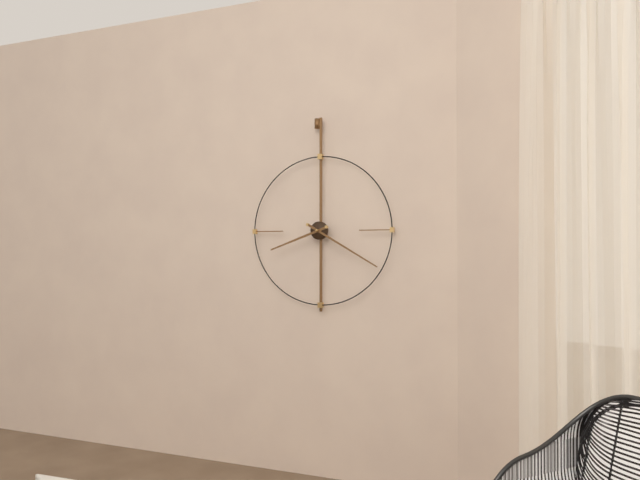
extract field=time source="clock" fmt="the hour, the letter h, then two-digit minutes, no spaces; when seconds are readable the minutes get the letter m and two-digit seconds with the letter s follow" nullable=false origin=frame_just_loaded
8h20
